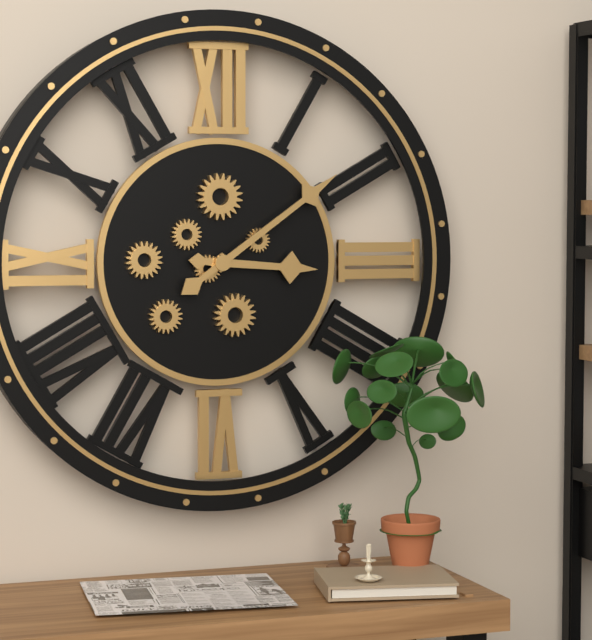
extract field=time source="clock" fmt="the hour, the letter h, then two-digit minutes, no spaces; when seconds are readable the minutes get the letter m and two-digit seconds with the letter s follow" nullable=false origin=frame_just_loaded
3h09
